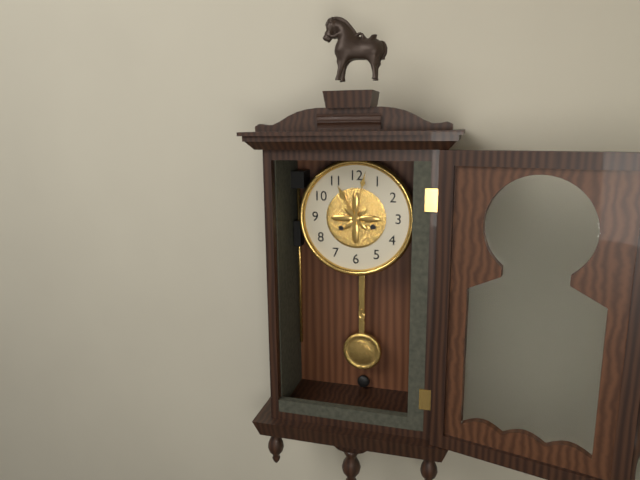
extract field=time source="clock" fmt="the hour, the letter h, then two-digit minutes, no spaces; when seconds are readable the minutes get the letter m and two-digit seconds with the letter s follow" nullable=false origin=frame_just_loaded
11h02
